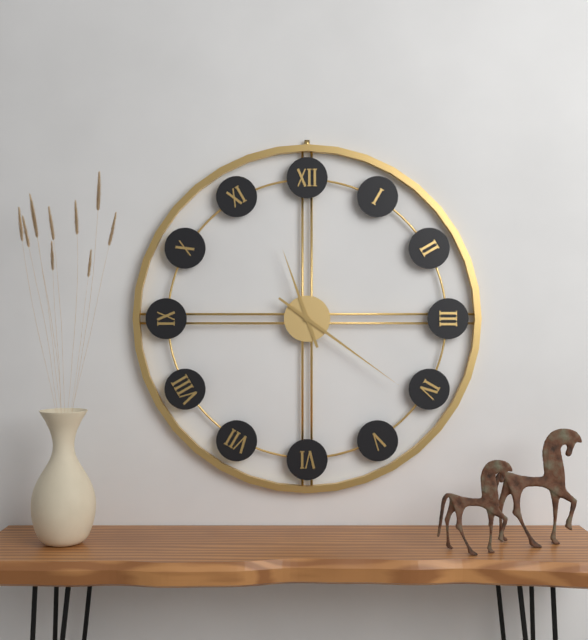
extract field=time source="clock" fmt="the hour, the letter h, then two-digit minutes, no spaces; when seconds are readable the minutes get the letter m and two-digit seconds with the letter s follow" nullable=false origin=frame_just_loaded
11h21
